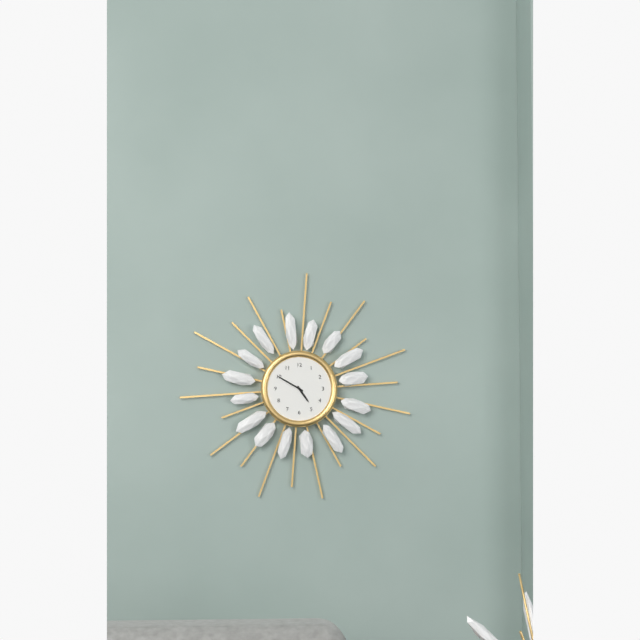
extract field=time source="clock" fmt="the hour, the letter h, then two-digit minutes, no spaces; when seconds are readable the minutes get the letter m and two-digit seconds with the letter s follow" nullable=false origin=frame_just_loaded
4h50
